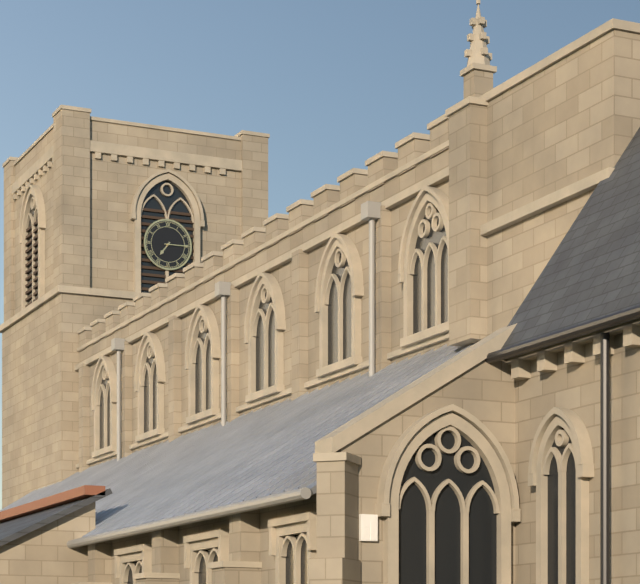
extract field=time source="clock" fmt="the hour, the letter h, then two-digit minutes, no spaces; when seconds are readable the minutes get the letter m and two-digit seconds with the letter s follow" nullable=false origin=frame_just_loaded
7h15
